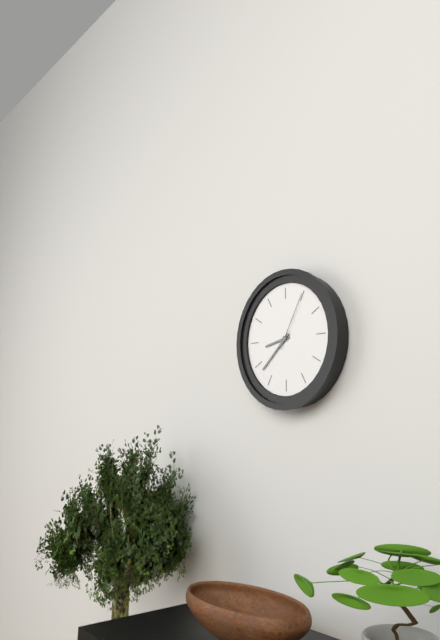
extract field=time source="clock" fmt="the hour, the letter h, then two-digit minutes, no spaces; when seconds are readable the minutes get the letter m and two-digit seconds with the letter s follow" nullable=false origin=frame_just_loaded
8h38m05s
